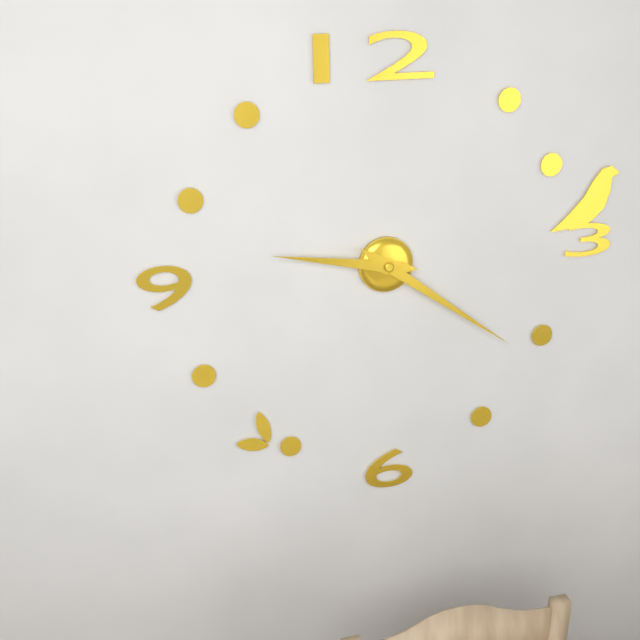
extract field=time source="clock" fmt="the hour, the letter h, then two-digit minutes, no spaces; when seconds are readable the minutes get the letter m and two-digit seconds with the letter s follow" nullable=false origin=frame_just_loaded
9h21
